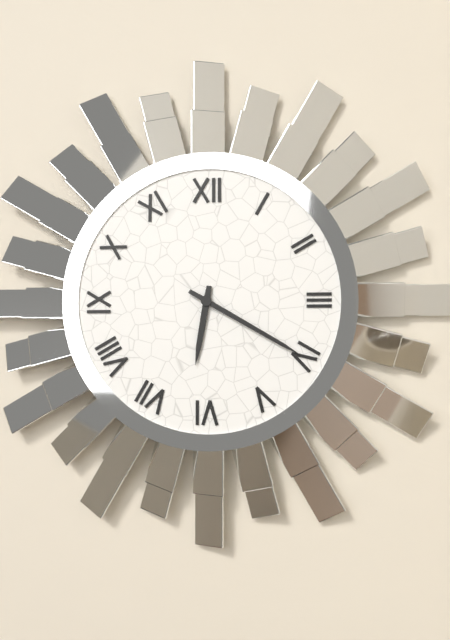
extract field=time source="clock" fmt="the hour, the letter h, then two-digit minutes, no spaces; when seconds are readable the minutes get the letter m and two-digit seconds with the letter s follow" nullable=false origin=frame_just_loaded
6h20
